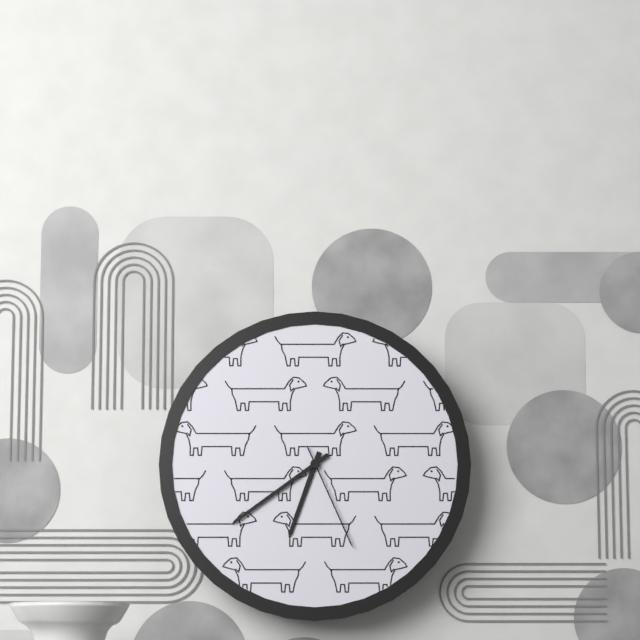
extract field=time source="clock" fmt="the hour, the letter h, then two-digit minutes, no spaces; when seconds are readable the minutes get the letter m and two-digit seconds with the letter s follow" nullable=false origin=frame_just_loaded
6h39m26s
